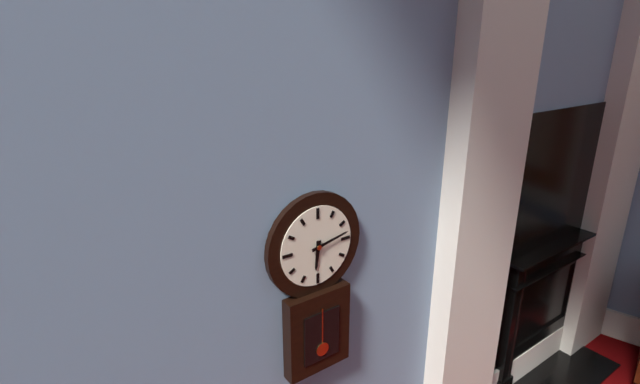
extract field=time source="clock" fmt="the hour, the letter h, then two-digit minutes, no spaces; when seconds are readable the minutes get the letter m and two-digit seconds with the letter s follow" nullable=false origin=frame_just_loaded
6h13
